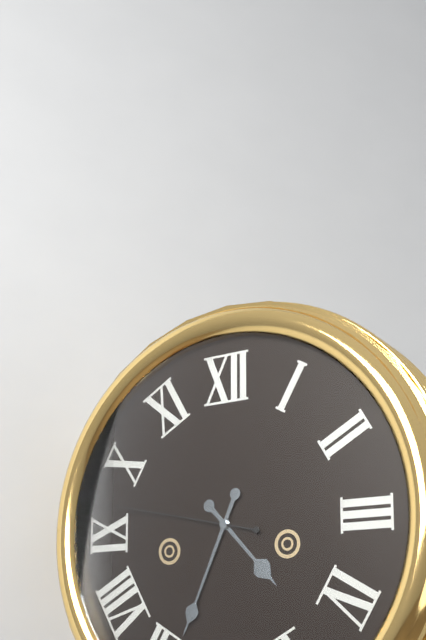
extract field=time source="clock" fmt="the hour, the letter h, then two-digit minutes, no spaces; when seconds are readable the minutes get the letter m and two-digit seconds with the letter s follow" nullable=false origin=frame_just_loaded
4h34m47s
